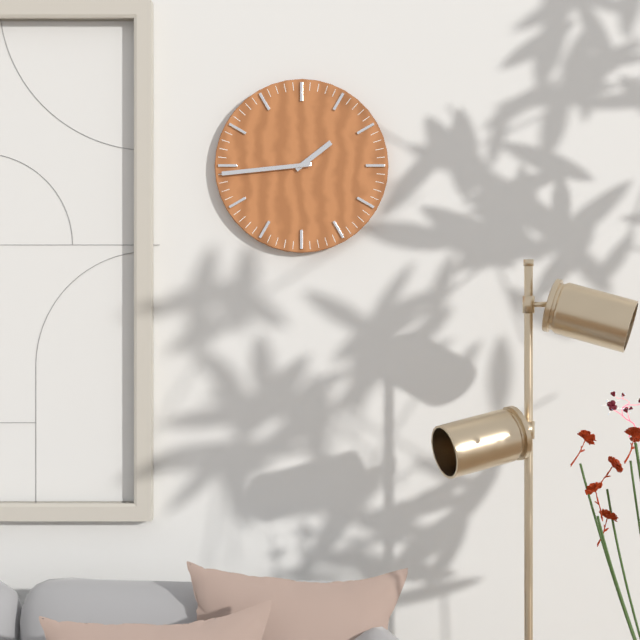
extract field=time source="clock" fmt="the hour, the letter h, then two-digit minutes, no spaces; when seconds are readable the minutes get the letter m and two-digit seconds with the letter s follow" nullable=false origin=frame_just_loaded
1h44
